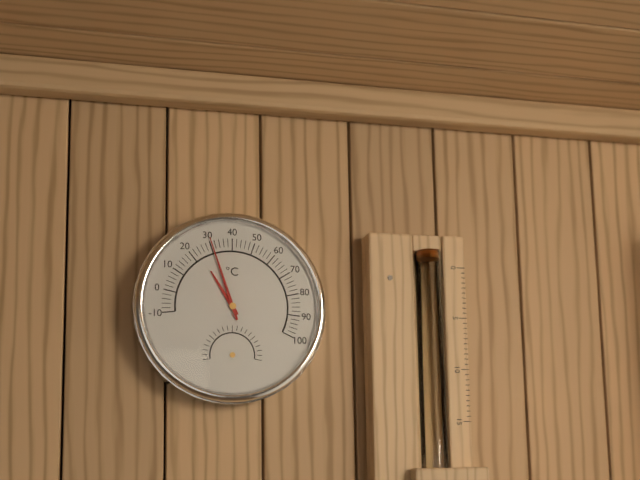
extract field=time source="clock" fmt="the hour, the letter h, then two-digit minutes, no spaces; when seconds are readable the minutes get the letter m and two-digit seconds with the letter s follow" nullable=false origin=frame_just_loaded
10h57
